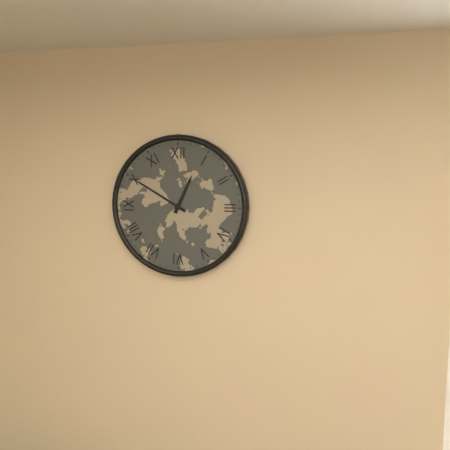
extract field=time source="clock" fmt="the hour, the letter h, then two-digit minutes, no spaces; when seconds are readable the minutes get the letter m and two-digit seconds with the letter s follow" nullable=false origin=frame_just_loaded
12h50
